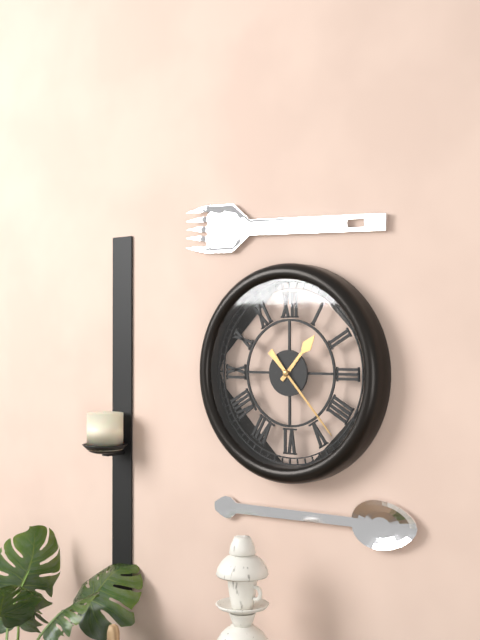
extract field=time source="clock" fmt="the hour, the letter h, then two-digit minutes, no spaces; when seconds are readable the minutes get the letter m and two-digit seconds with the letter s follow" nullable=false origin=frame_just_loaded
1h23
